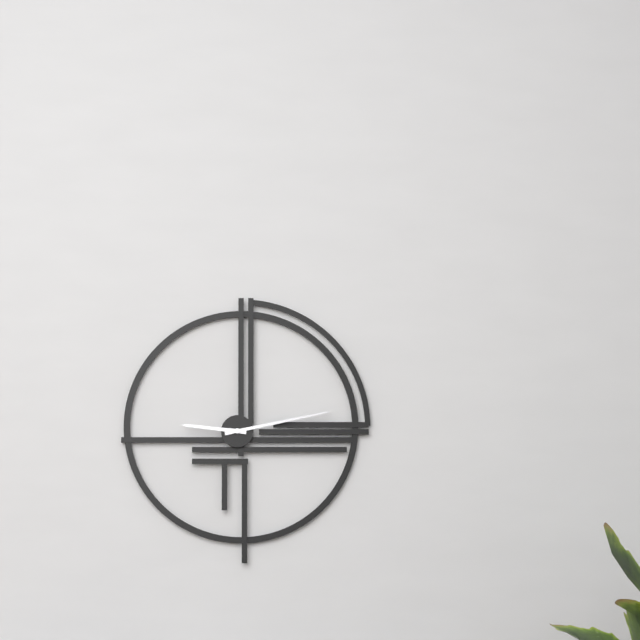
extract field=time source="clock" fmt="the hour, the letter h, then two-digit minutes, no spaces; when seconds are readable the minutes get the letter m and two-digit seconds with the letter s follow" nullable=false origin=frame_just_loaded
9h13
